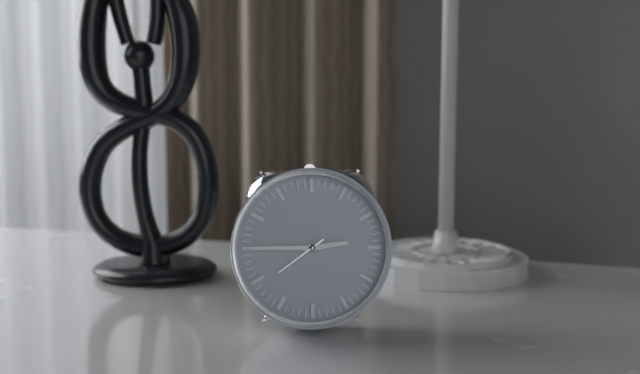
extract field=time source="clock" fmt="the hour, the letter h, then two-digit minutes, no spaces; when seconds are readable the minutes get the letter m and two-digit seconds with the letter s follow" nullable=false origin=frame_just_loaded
2h45m39s
